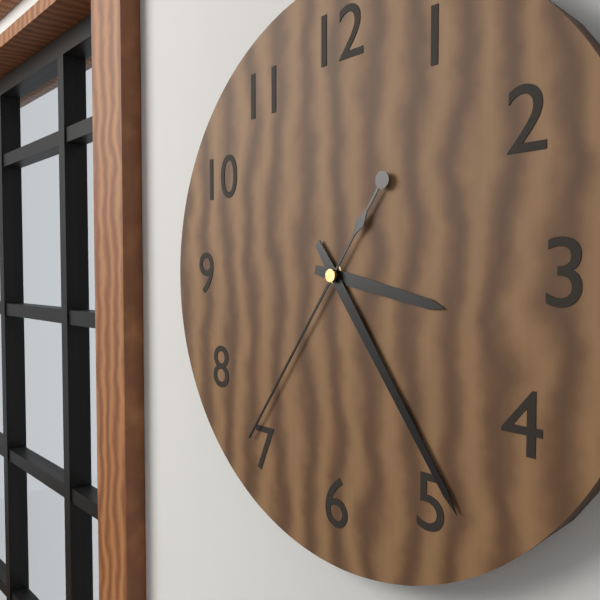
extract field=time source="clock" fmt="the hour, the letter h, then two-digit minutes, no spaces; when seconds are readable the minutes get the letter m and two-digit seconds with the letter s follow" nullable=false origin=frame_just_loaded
3h24m36s
